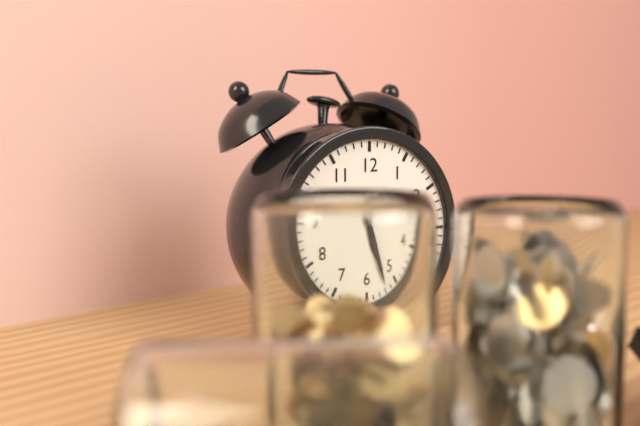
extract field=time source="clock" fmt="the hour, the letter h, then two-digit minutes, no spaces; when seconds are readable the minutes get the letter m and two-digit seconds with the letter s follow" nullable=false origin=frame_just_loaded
5h27
